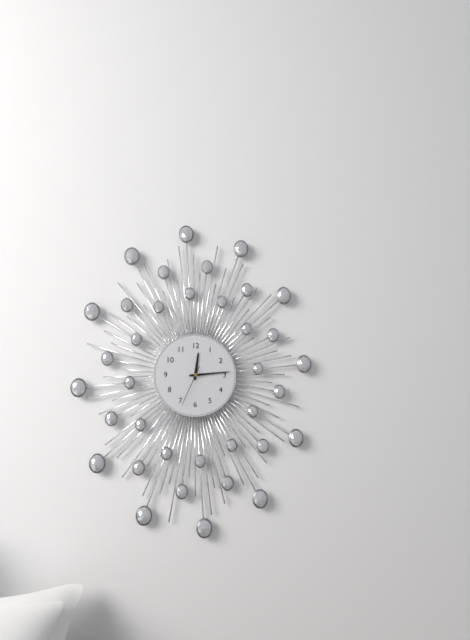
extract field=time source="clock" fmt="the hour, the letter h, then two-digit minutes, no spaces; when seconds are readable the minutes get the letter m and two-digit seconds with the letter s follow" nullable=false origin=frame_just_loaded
12h14
